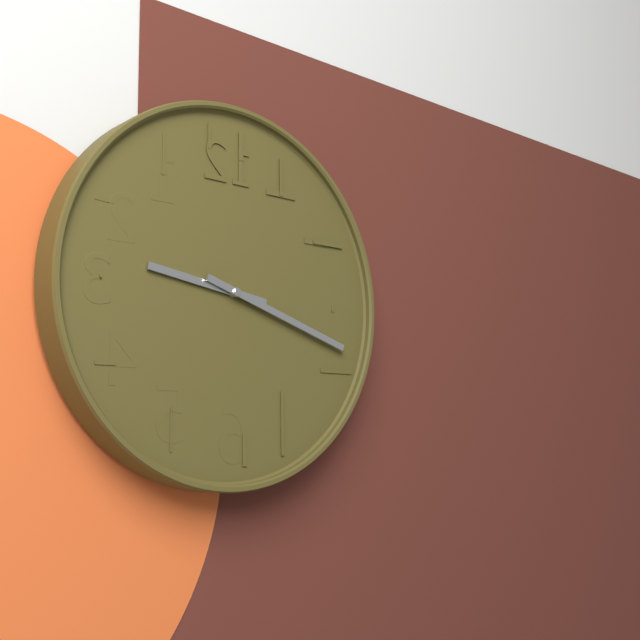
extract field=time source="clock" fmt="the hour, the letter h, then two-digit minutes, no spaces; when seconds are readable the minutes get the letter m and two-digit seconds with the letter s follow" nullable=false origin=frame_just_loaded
9h18
